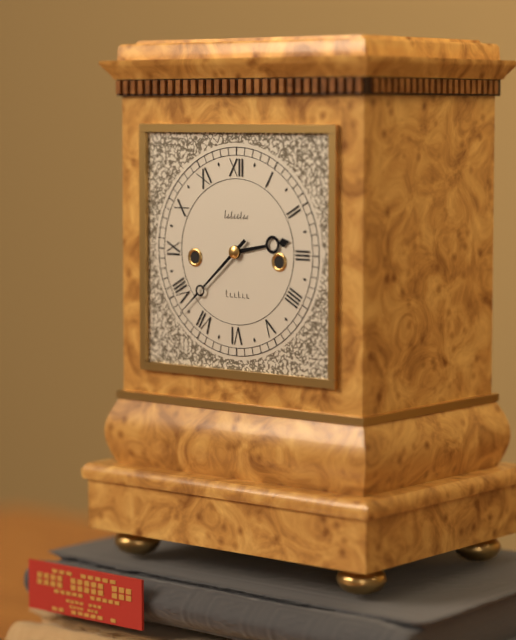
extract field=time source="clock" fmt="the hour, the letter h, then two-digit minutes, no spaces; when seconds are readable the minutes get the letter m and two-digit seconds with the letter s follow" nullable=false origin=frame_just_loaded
2h38
